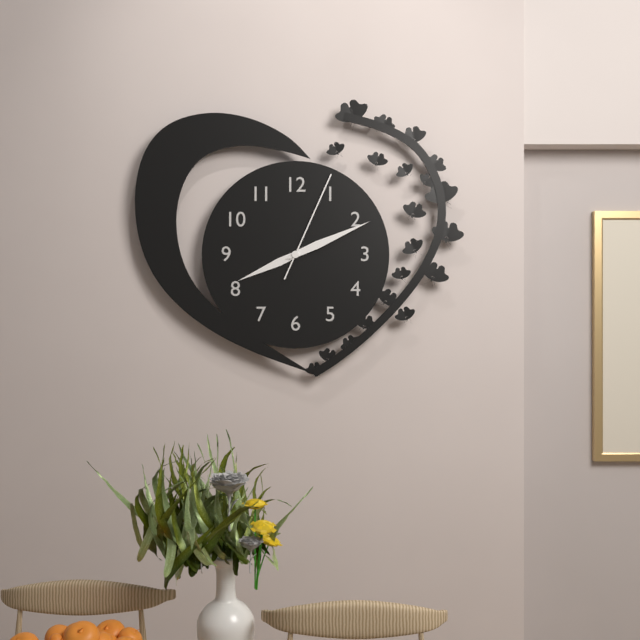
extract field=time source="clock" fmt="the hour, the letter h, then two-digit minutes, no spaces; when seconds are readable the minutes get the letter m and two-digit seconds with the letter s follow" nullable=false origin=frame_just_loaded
8h11m04s
